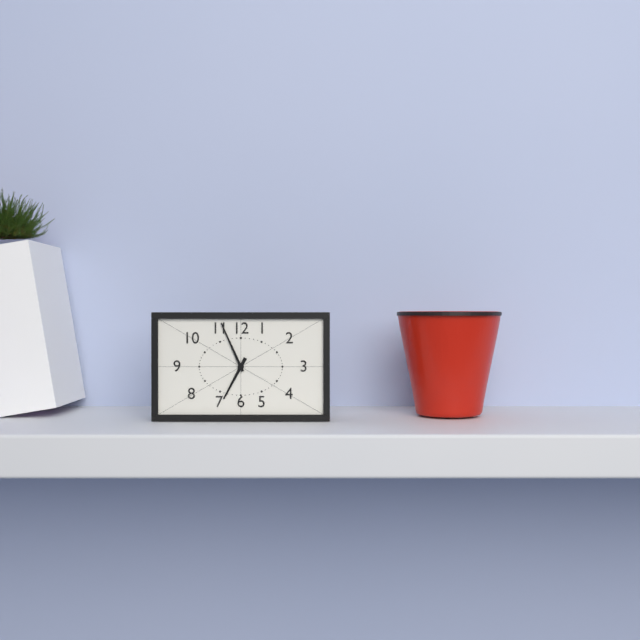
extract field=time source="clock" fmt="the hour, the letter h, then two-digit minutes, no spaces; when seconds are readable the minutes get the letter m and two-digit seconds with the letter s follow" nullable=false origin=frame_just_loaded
6h56
